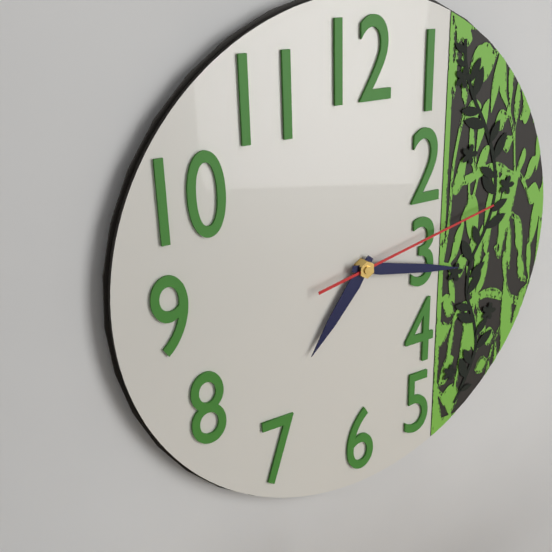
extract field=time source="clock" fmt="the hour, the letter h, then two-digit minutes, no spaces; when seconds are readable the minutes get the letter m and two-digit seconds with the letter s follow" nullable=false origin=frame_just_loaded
7h17m13s
